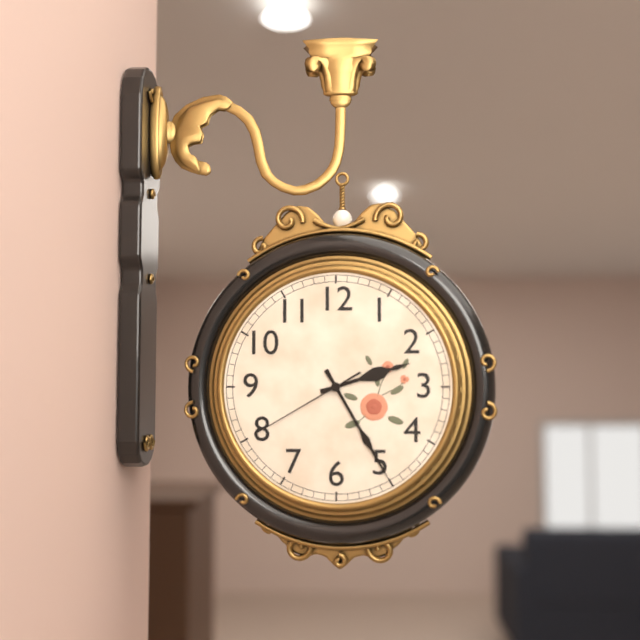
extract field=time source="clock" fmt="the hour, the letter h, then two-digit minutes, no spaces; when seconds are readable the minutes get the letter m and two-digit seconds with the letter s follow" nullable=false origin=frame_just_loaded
2h25m40s
